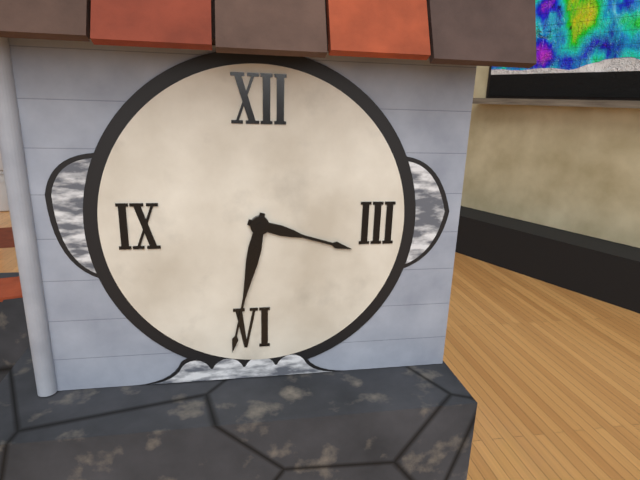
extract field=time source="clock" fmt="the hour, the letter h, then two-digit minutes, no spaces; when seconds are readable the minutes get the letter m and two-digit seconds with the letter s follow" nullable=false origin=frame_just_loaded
3h32
